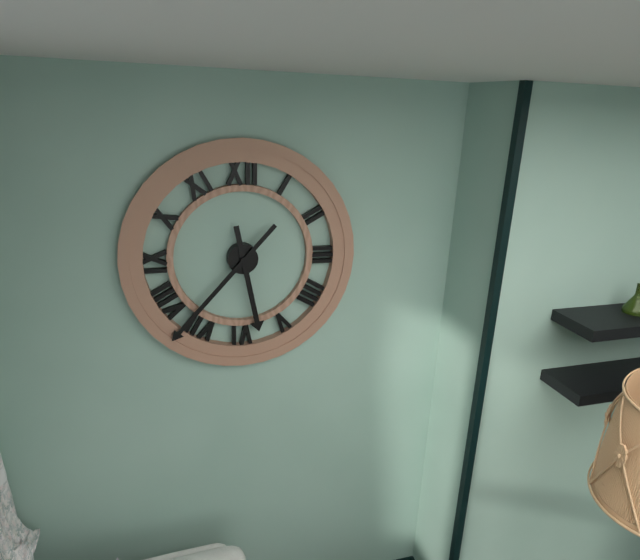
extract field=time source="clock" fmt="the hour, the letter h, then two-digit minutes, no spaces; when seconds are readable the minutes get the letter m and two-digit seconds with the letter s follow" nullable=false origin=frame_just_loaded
5h37
